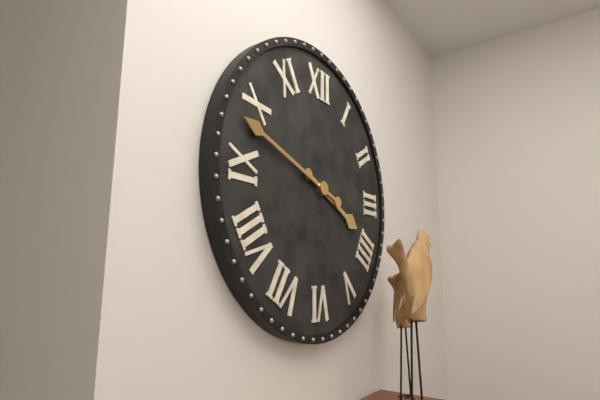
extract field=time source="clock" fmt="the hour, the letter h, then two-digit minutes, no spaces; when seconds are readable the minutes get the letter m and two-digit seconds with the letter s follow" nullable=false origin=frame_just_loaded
3h48
